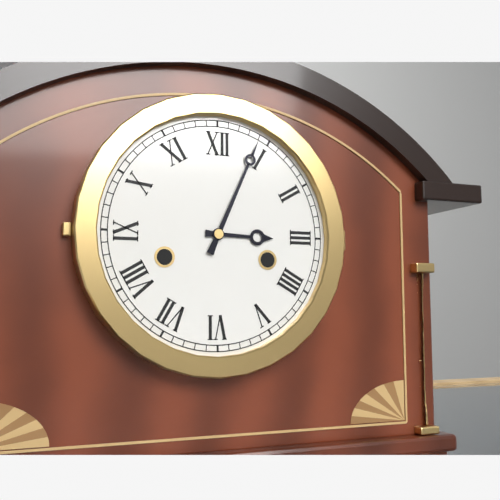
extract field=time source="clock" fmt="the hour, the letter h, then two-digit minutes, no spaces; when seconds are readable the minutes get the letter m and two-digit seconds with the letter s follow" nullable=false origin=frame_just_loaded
3h04
